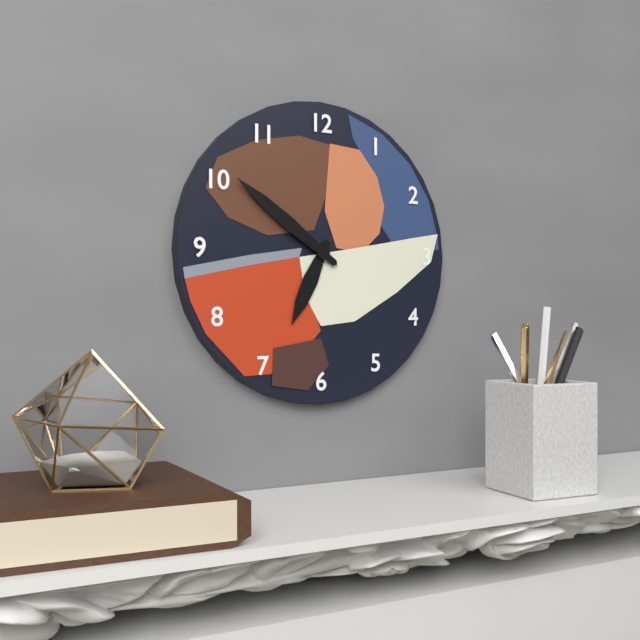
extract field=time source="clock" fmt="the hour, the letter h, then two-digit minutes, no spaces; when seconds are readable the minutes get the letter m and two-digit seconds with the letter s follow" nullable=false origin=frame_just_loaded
6h51
